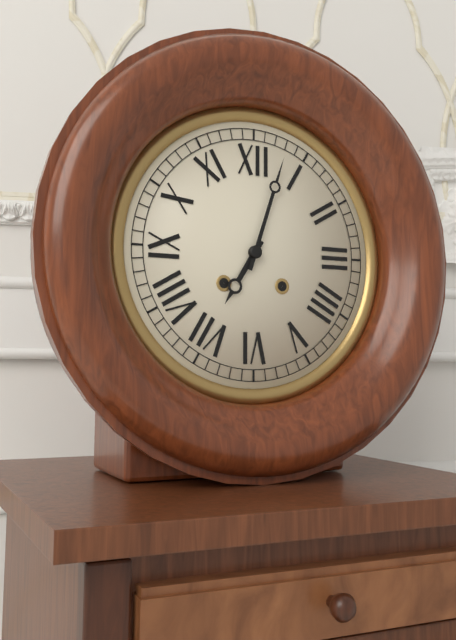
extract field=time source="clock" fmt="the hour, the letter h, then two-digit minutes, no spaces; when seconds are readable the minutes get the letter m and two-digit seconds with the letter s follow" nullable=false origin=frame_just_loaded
7h03
